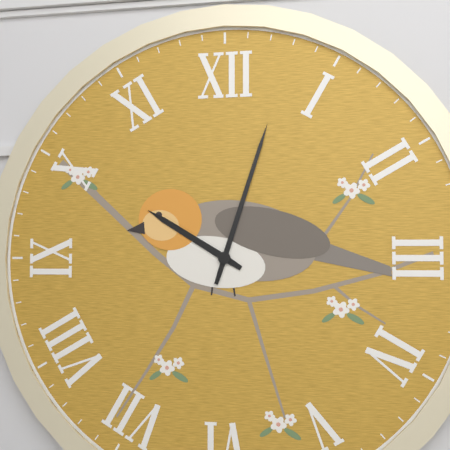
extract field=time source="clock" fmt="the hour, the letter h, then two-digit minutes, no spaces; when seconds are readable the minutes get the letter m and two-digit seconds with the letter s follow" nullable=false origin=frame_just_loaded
10h03
